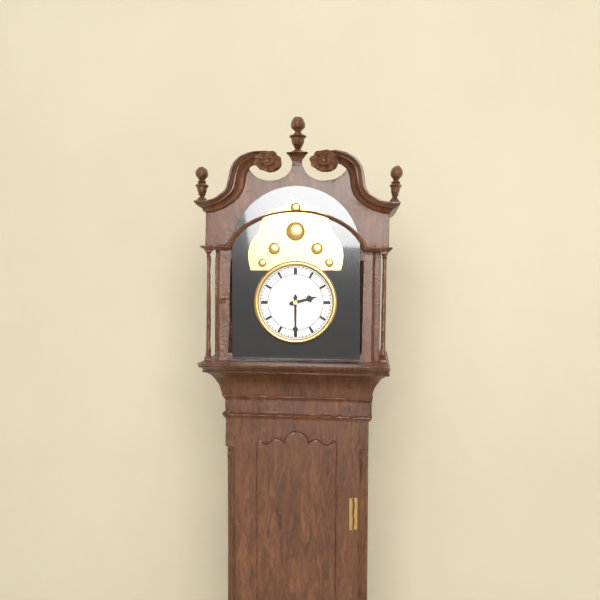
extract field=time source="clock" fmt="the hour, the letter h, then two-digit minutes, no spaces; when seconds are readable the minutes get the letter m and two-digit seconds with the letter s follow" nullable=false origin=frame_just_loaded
2h30
